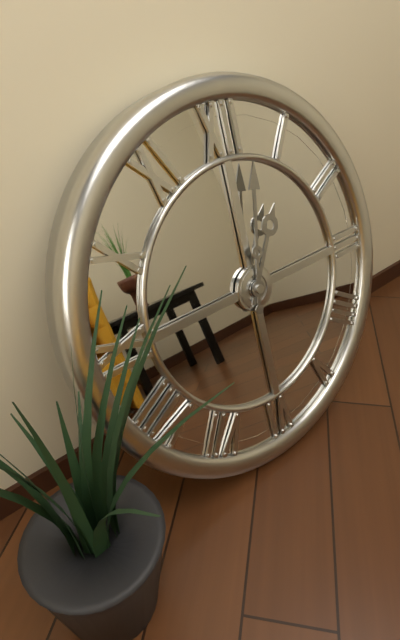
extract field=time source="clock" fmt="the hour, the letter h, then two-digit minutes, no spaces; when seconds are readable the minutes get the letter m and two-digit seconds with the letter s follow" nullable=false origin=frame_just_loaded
1h02
